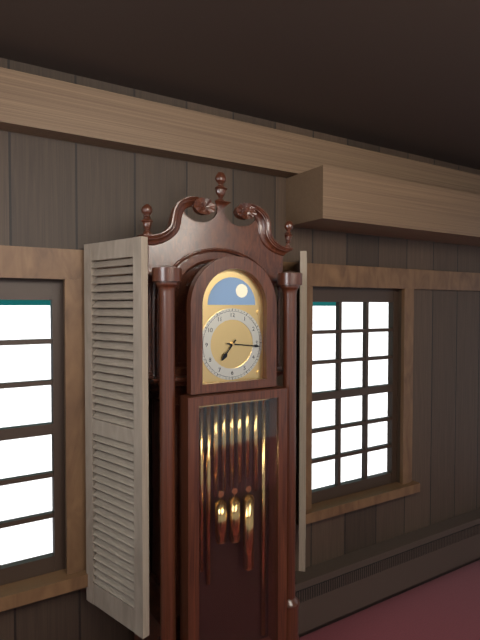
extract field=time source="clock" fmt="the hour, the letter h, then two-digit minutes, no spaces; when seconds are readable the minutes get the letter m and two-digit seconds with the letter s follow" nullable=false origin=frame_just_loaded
7h16
